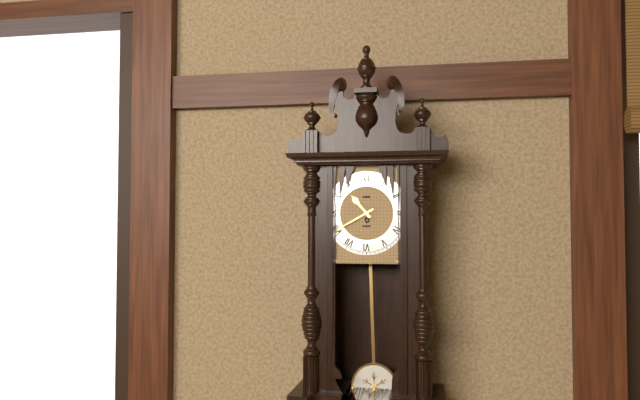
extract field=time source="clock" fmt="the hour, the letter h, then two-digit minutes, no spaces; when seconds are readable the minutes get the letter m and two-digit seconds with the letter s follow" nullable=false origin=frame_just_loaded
10h40
